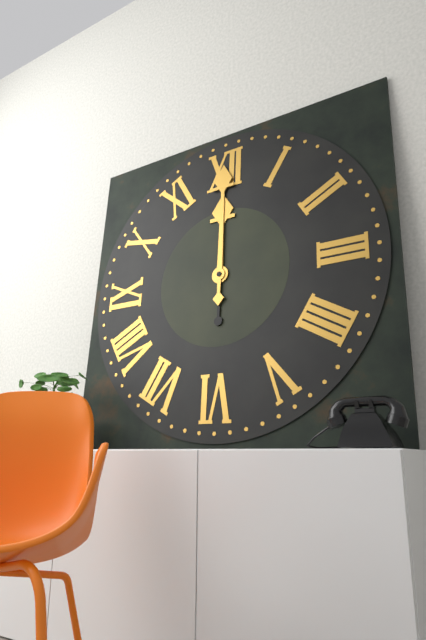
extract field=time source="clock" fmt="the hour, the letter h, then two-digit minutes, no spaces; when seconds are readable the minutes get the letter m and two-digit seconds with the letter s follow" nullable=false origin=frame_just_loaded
12h00
